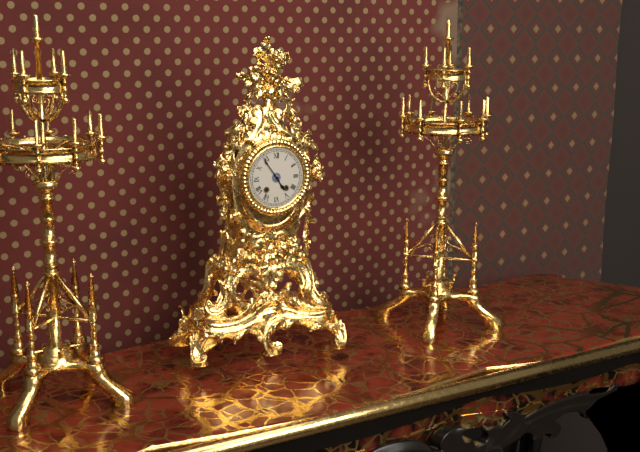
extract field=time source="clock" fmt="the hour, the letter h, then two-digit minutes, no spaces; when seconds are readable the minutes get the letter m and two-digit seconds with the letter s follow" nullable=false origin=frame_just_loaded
4h54
